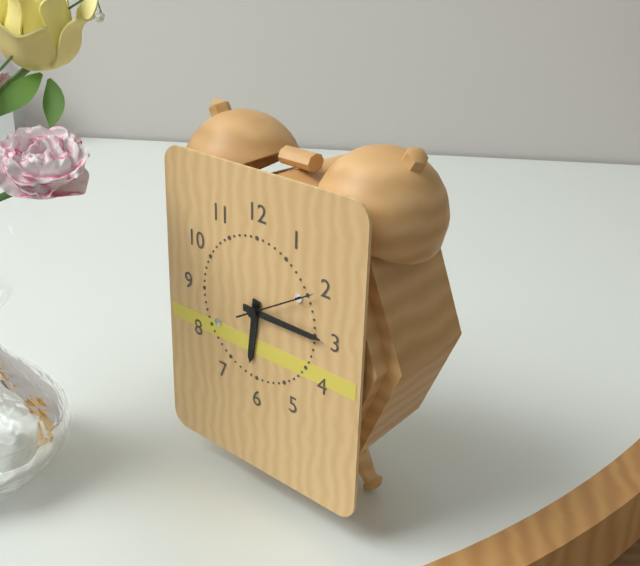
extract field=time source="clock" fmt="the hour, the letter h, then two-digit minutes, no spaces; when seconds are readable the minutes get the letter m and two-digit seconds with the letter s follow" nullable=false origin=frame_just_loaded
6h15m10s
